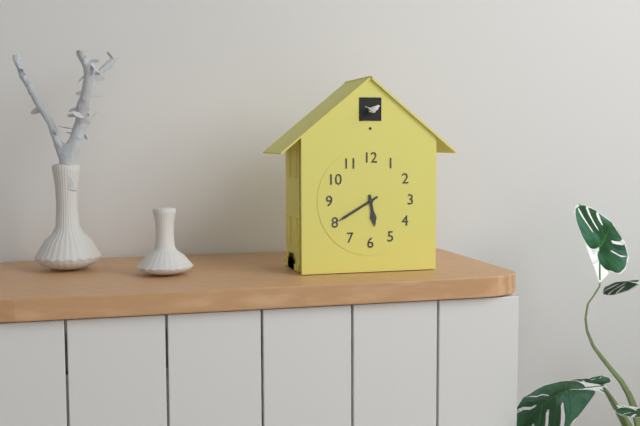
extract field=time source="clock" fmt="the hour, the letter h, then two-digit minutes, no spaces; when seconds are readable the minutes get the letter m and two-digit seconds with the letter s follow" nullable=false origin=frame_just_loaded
5h40
